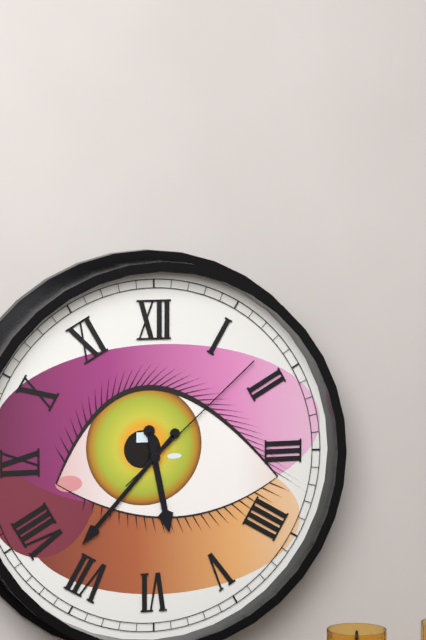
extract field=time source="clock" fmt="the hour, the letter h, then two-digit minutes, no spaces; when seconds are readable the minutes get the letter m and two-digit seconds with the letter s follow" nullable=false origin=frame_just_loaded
5h37m08s
